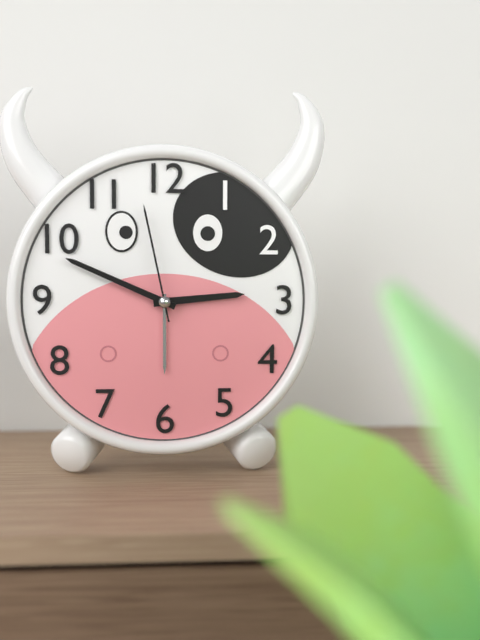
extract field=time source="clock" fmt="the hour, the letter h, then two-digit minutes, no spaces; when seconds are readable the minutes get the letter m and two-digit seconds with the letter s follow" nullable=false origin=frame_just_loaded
2h49m58s
